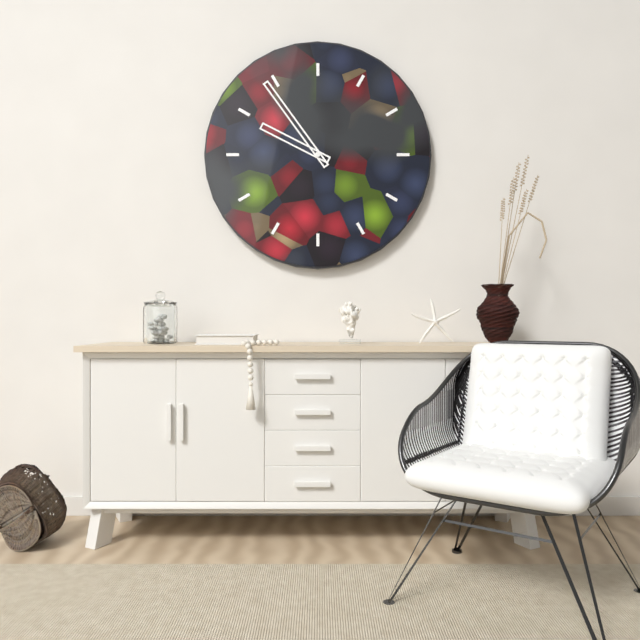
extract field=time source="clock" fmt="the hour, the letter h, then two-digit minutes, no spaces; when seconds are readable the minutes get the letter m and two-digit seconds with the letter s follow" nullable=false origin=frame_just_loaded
9h54
